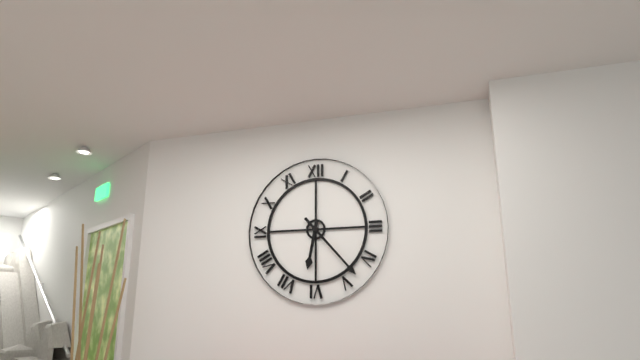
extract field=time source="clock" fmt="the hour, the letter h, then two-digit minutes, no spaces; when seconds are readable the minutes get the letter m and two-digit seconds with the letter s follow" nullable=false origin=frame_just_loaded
6h23
